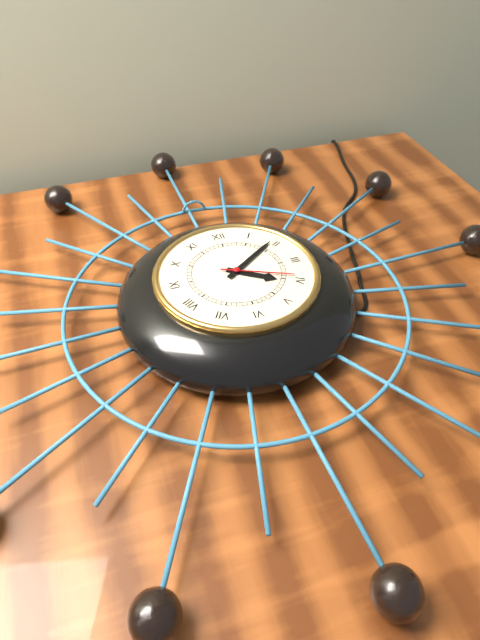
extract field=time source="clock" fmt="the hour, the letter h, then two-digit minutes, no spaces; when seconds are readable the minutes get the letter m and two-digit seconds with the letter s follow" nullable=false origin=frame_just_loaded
4h09m19s
